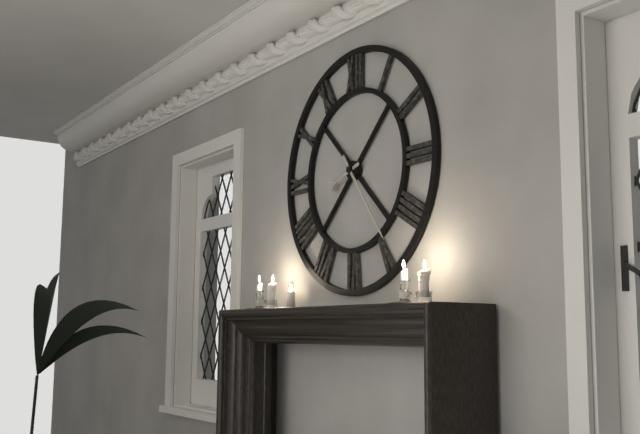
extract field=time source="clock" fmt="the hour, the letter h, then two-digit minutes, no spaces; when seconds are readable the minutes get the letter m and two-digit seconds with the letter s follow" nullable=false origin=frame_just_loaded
8h24
